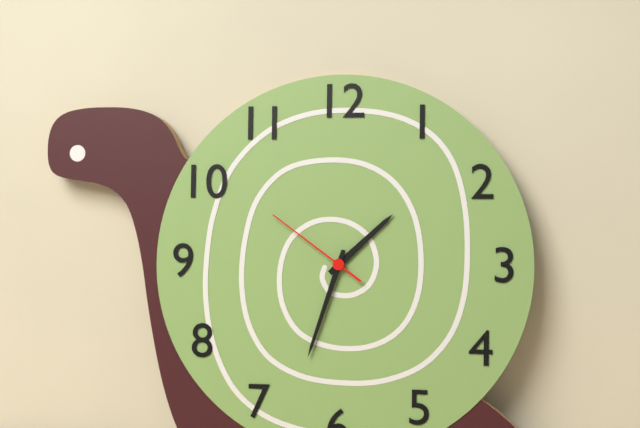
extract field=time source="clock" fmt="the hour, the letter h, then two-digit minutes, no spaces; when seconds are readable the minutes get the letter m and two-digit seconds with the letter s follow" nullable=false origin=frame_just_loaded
1h33m51s
